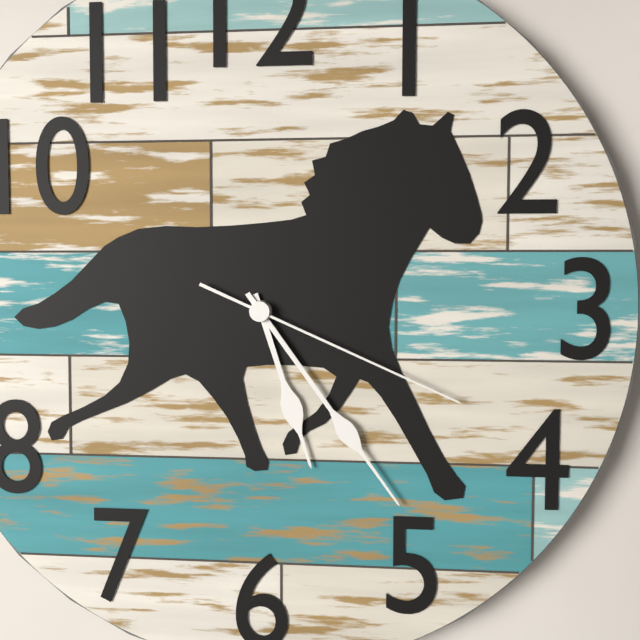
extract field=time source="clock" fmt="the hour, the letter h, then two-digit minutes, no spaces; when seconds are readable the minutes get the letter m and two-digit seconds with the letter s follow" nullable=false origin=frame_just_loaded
5h24m19s
